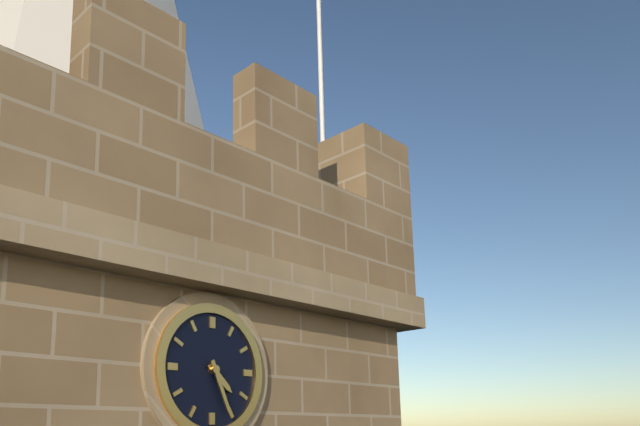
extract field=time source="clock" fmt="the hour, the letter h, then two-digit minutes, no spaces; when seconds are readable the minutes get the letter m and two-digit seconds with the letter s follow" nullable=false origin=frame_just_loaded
4h26
